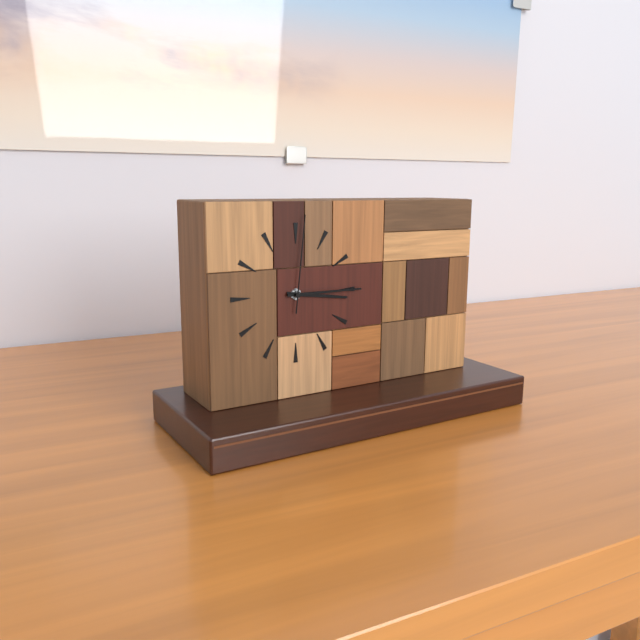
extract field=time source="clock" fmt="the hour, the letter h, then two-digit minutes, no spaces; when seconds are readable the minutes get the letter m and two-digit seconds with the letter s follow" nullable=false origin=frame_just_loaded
3h15m01s
